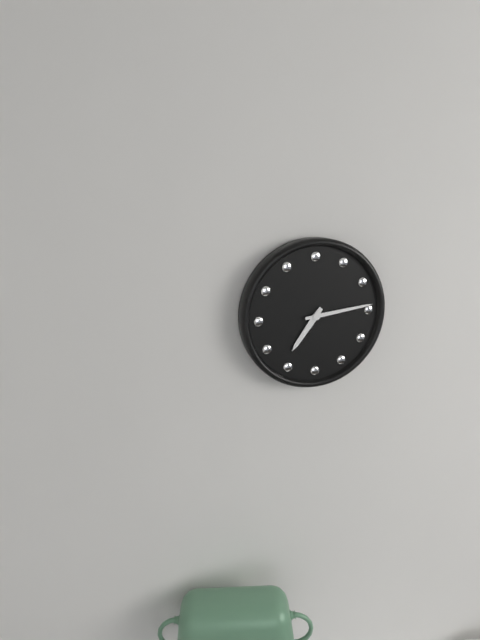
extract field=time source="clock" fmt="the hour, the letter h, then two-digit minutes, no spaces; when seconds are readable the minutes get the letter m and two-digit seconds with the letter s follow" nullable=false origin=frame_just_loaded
7h14
